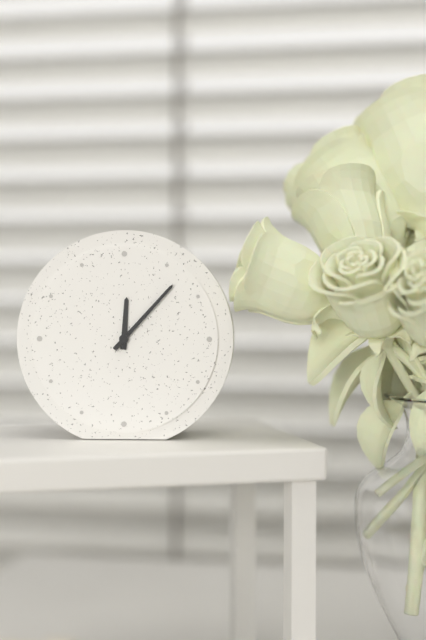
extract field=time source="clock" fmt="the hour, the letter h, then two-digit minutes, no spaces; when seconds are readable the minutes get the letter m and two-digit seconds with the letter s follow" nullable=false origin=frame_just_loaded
12h07
